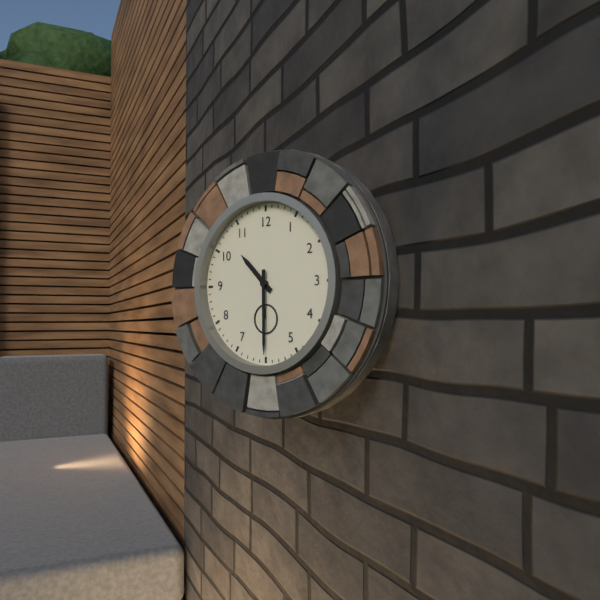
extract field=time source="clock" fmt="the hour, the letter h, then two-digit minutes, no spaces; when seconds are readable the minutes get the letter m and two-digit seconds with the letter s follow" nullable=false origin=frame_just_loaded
10h30
